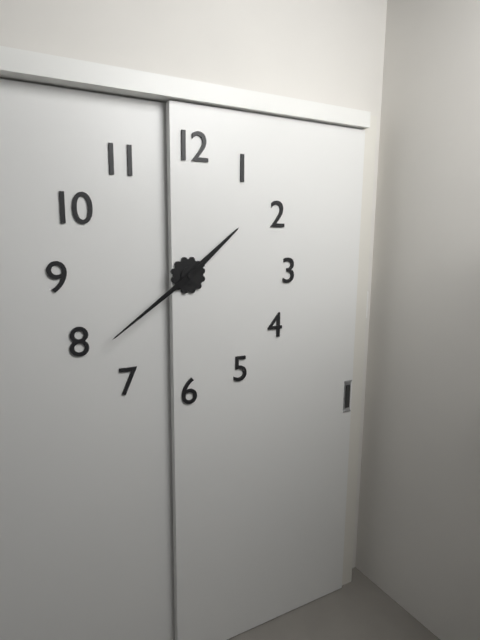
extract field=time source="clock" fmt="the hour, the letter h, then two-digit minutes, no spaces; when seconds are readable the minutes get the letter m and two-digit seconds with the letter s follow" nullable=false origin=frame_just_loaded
1h39
